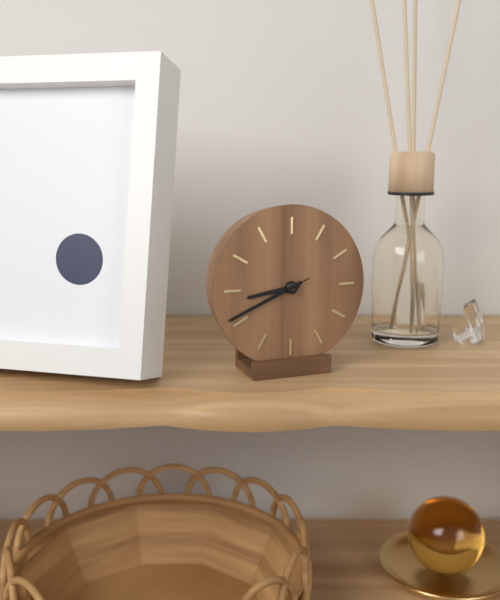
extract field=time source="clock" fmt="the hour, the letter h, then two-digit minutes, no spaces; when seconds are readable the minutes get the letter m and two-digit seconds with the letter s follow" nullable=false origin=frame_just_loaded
8h41m41s
